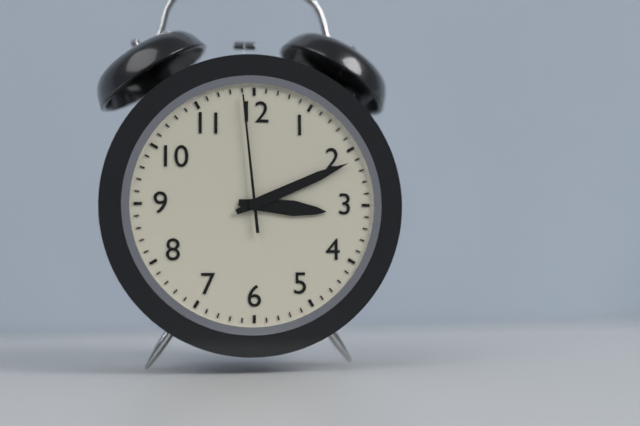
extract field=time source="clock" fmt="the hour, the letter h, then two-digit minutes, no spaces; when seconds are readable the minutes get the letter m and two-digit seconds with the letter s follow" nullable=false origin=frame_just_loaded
3h11m59s
